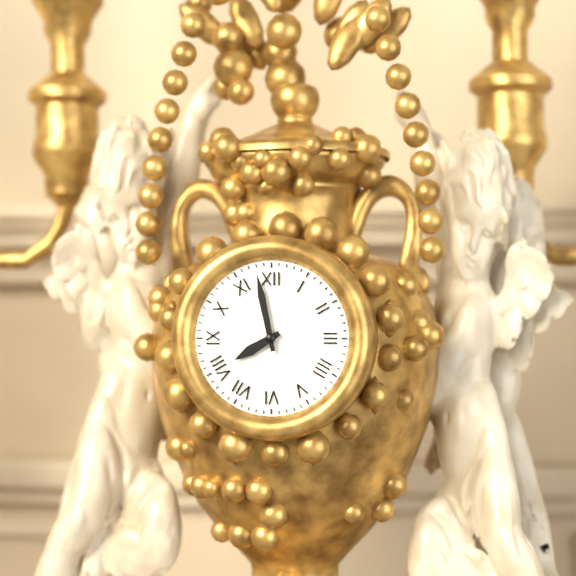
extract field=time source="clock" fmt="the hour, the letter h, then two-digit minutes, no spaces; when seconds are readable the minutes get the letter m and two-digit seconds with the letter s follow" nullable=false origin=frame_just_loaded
7h58
